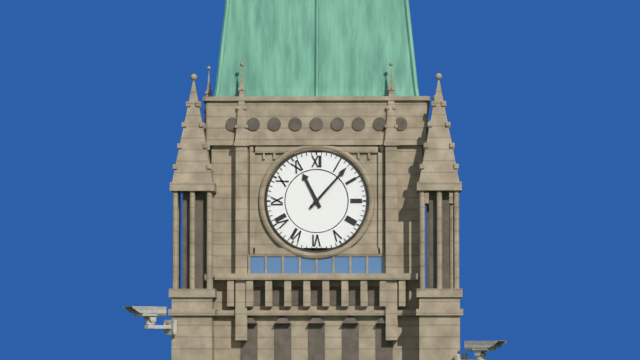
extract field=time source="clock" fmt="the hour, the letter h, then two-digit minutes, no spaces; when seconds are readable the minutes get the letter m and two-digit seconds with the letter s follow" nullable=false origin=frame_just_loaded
11h07
